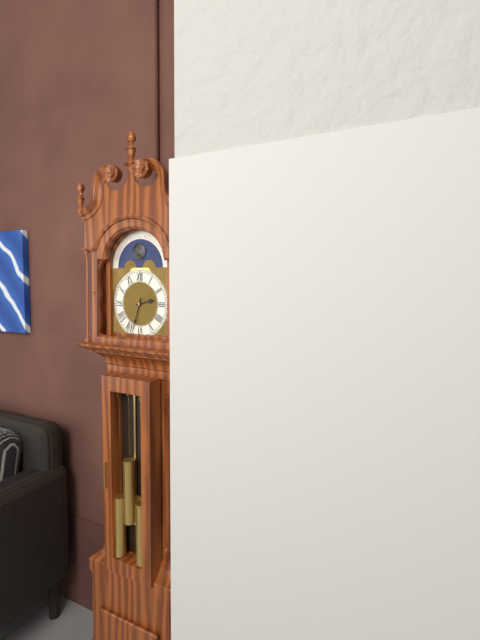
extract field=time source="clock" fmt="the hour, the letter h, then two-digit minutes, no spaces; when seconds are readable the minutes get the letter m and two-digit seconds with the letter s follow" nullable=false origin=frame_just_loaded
2h33
